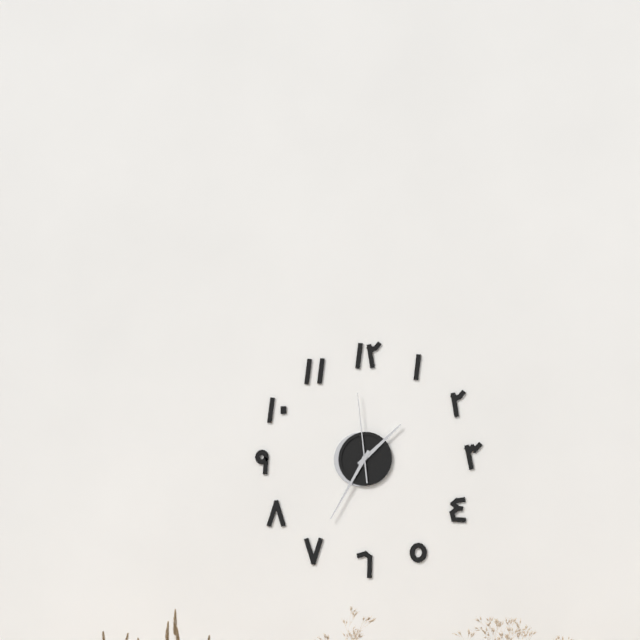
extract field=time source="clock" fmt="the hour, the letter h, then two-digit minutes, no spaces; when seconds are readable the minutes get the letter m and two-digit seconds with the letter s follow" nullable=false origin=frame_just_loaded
1h35m59s
